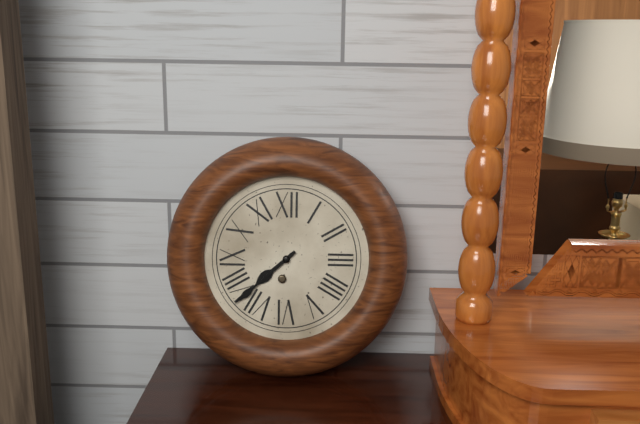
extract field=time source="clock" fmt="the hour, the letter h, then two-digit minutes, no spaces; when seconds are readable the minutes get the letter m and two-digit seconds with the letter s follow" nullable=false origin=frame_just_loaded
7h38
